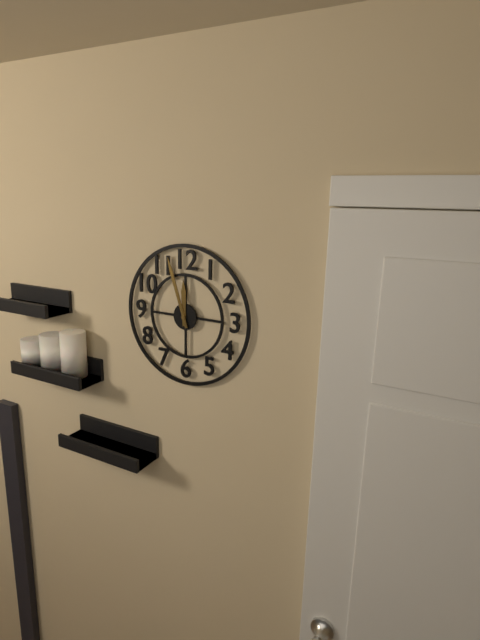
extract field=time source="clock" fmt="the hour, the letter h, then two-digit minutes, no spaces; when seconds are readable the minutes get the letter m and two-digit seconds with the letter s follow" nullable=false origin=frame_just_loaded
11h57
